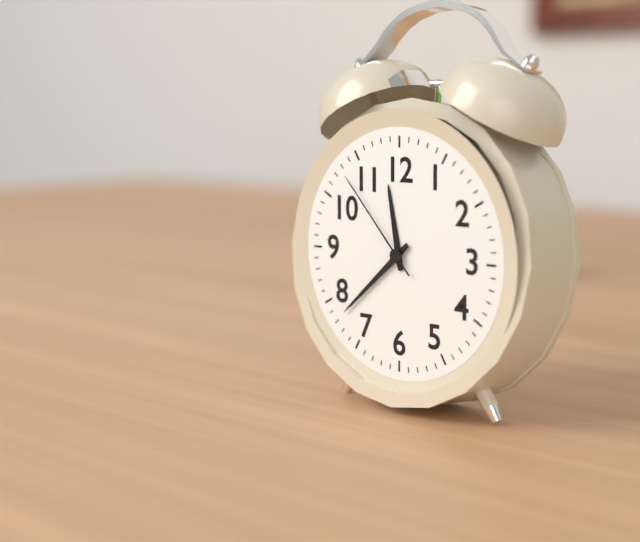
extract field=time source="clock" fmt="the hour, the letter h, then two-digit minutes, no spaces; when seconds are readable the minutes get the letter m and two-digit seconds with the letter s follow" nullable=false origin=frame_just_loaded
11h38m53s
